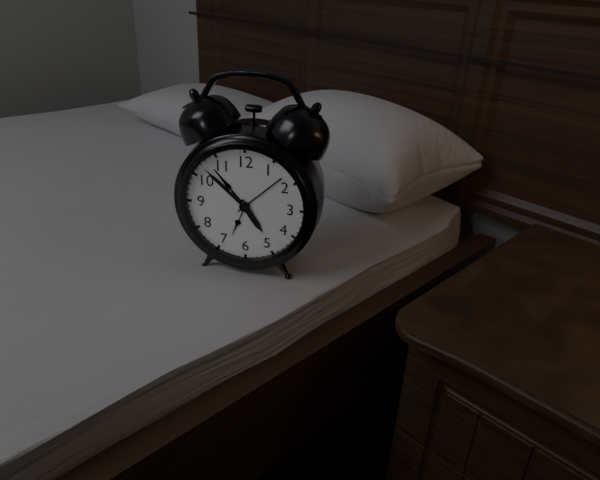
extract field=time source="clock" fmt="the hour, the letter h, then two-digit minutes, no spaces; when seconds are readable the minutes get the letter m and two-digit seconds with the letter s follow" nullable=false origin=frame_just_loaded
4h52
